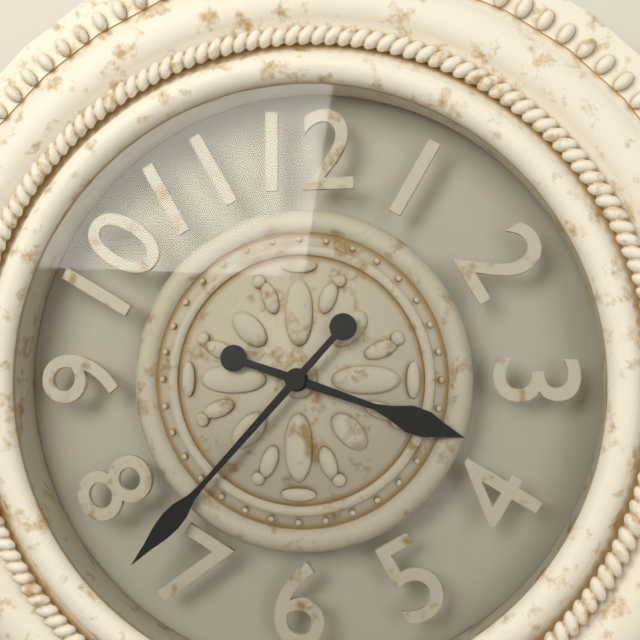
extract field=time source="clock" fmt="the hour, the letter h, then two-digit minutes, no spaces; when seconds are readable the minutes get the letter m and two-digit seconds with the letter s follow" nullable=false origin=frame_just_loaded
3h37
